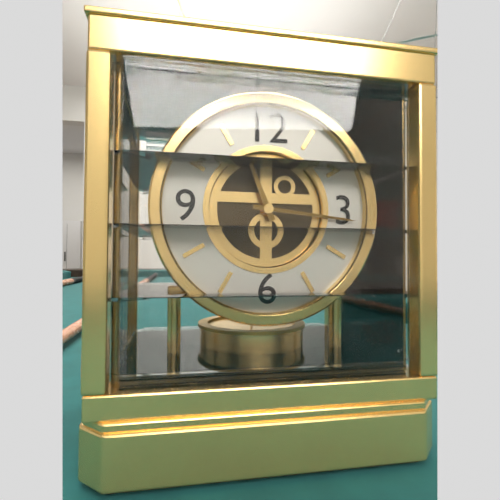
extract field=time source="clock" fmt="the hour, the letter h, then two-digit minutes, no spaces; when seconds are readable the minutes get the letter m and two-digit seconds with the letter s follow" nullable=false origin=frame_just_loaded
11h16
